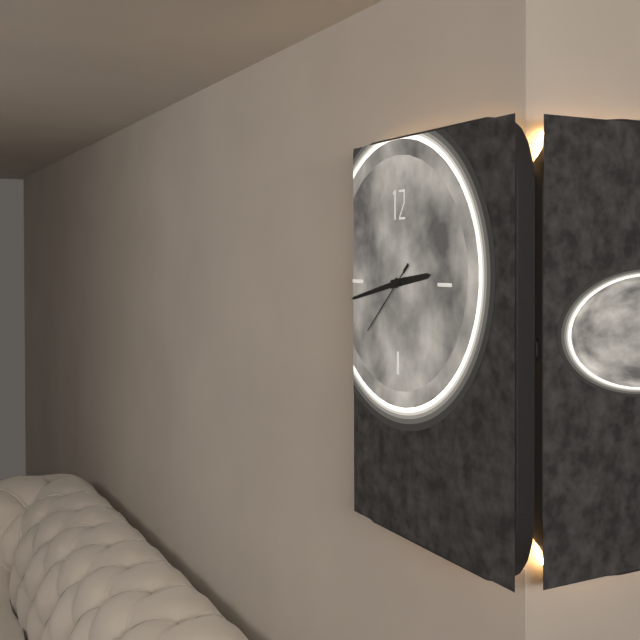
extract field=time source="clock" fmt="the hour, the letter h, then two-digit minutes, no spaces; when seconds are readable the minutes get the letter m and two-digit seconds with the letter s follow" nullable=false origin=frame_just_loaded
2h43m38s
